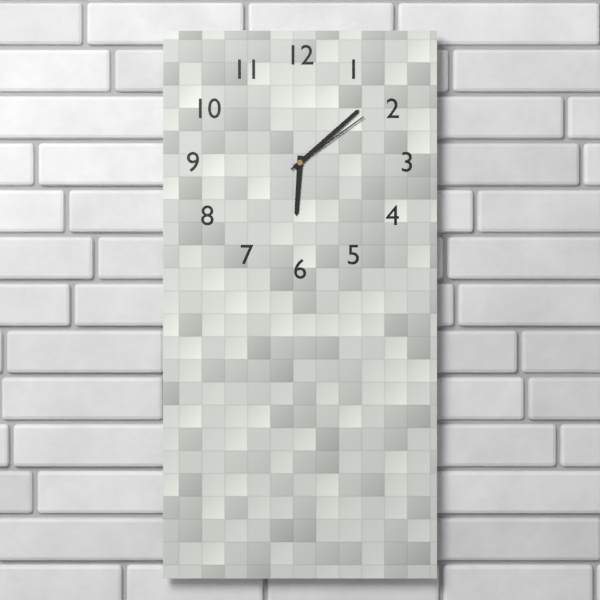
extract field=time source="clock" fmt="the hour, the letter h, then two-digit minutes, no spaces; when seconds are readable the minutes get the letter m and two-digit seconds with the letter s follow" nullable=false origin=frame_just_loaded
6h08m09s
